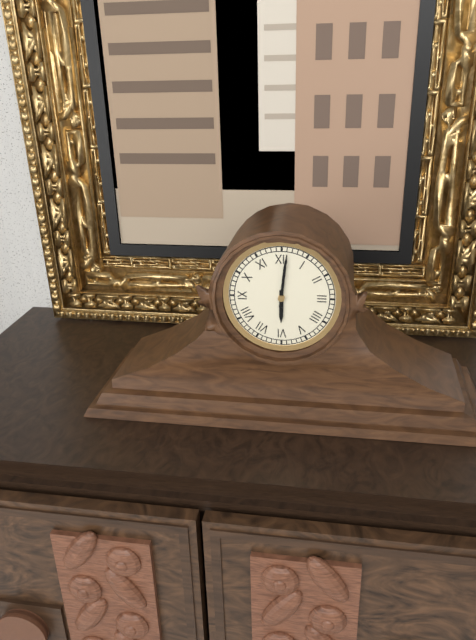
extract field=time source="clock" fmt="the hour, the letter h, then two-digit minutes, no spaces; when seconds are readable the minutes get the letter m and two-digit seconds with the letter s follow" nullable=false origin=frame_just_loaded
6h01
